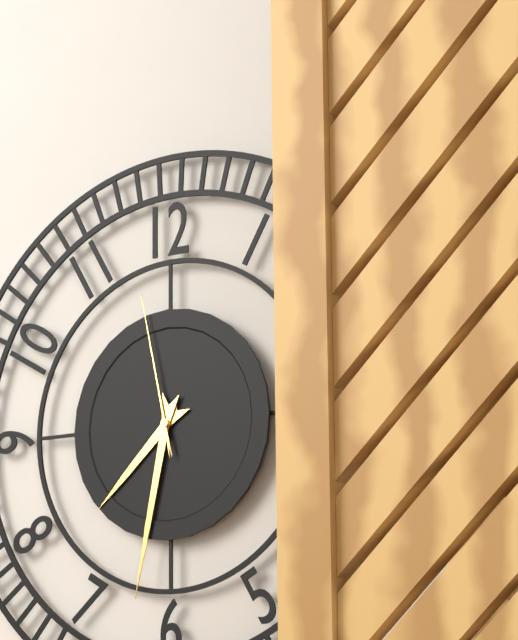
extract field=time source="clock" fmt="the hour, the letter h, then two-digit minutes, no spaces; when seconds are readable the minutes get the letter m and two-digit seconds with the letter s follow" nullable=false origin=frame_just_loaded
7h32m58s
